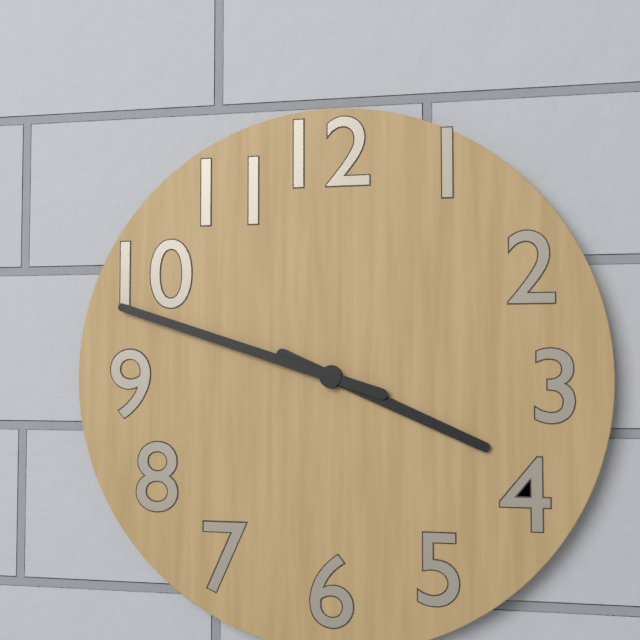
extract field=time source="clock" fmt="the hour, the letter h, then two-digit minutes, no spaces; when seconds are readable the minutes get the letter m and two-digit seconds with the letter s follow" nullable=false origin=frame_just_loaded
3h48
